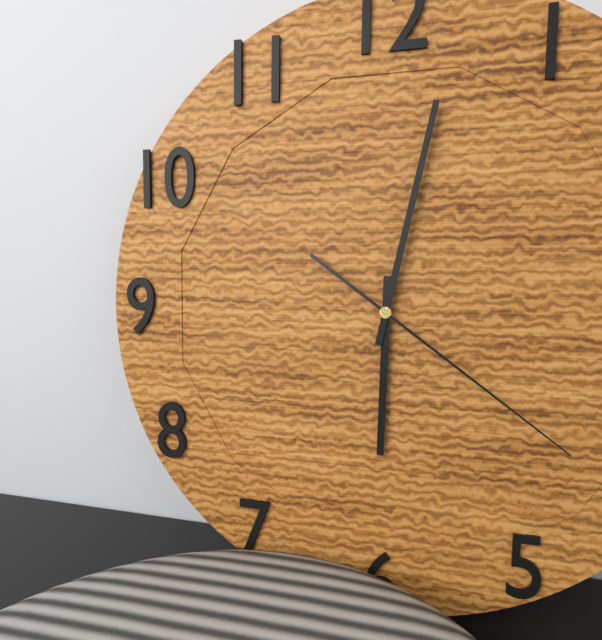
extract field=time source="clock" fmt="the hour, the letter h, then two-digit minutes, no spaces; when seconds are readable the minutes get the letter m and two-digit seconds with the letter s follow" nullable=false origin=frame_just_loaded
6h02m21s
